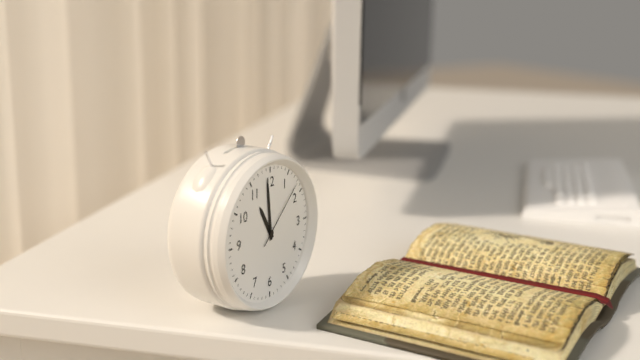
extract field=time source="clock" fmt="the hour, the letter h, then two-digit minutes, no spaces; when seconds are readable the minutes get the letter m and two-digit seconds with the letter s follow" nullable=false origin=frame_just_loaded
10h59m08s
